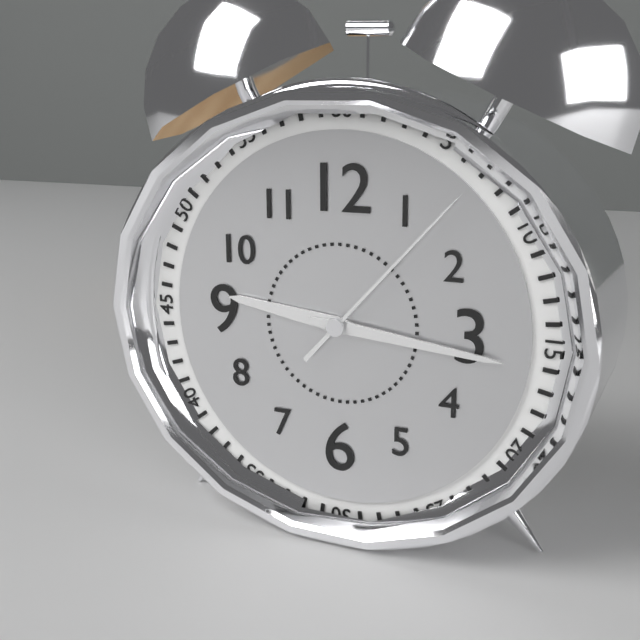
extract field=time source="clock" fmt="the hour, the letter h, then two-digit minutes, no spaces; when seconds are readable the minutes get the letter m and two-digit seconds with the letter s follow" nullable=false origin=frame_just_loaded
9h16m07s
